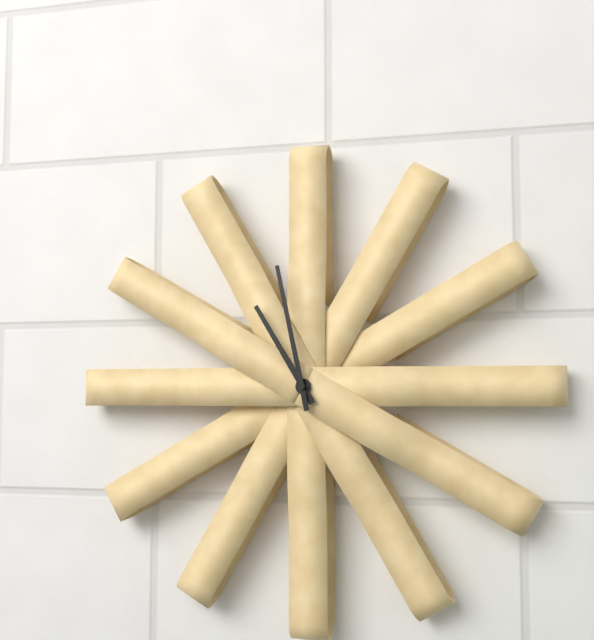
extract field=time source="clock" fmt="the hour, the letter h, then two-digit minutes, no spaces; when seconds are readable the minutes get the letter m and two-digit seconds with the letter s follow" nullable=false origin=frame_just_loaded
10h58
